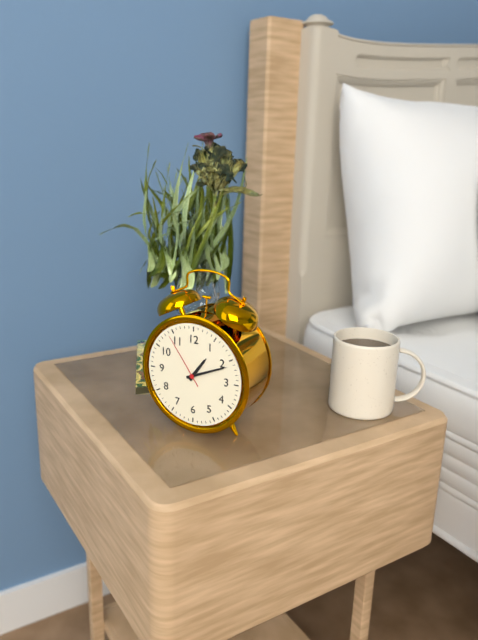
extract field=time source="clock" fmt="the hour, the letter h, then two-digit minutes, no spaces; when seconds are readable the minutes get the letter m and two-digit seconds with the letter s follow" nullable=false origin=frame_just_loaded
1h11m54s
